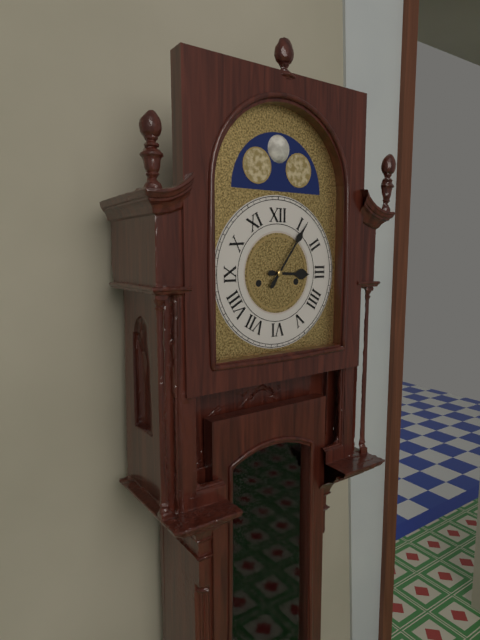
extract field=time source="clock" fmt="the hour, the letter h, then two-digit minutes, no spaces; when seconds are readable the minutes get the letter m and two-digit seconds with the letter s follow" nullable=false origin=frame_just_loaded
3h06
